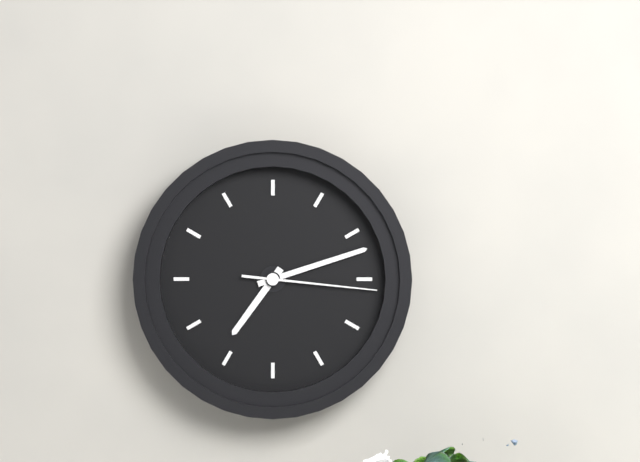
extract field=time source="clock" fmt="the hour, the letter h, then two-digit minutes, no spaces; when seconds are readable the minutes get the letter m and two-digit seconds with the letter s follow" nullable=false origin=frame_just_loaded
7h12m16s
